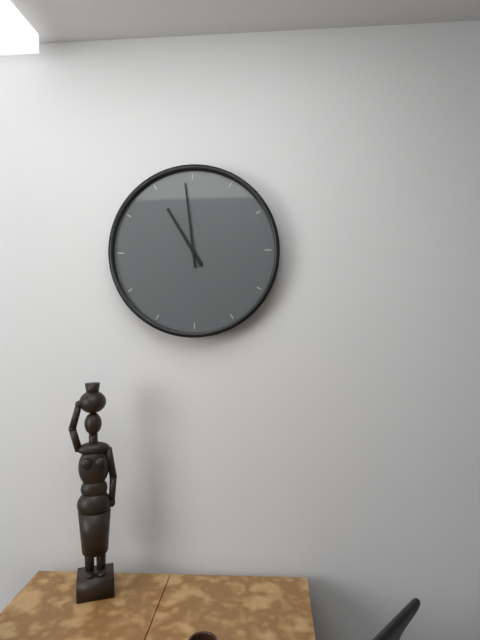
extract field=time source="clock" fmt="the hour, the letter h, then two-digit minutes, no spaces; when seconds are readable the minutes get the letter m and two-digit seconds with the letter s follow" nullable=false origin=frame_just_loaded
10h59
